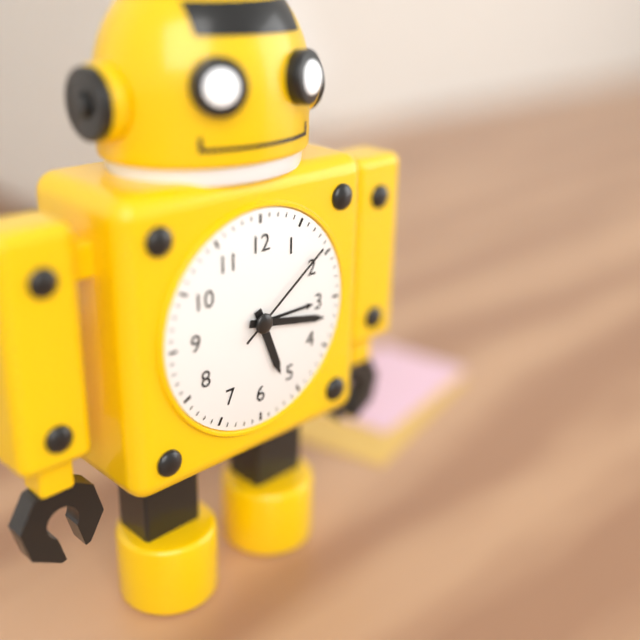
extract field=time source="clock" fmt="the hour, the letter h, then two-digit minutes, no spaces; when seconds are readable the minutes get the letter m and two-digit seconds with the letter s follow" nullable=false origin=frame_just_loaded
5h17m09s
